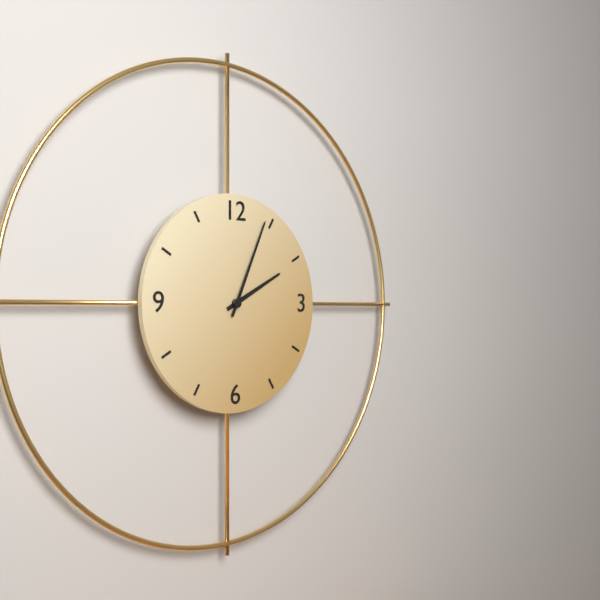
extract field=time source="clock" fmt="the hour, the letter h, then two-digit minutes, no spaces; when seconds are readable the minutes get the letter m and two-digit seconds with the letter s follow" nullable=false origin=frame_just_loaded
2h04
